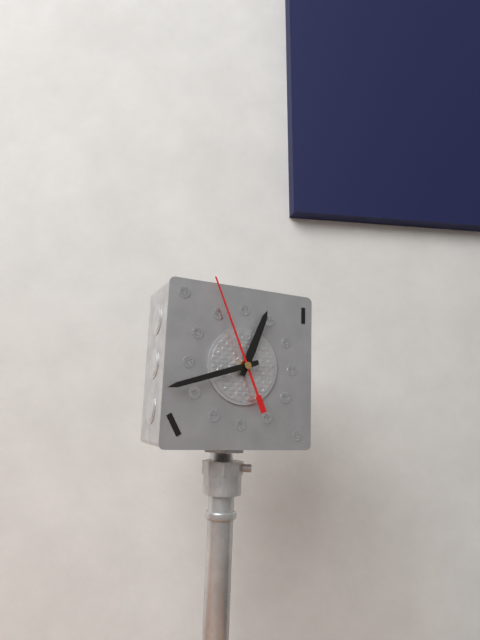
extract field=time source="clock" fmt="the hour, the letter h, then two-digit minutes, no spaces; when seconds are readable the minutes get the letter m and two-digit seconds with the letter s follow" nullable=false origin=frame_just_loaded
12h42m56s
